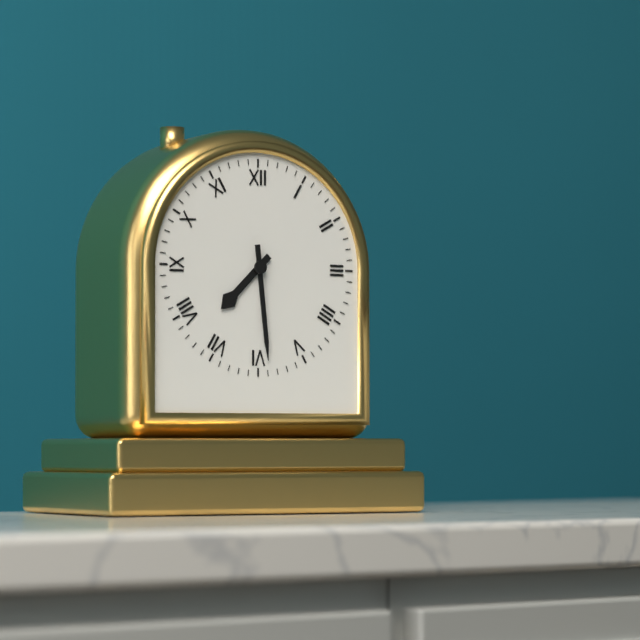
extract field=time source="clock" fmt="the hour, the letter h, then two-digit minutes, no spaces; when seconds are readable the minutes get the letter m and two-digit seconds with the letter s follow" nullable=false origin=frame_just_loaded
7h29
